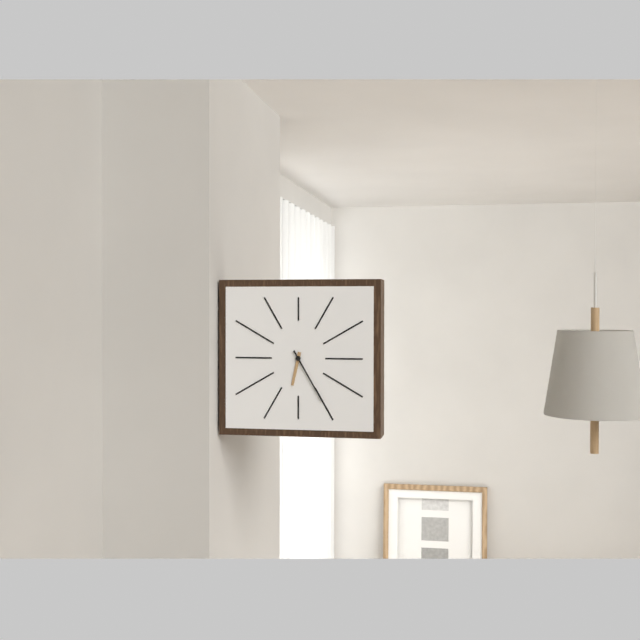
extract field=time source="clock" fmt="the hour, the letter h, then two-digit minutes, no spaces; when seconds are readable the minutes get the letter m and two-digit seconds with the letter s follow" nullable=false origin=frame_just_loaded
6h25
